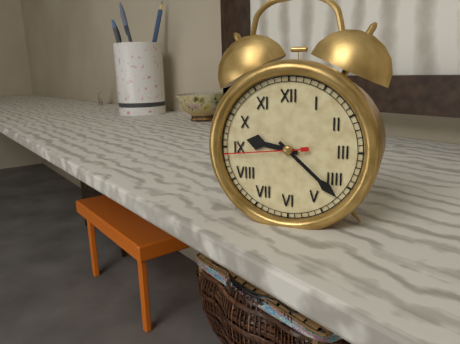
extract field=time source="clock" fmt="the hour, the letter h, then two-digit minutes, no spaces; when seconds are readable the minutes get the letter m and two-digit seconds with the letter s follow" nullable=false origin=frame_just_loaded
9h22m44s
